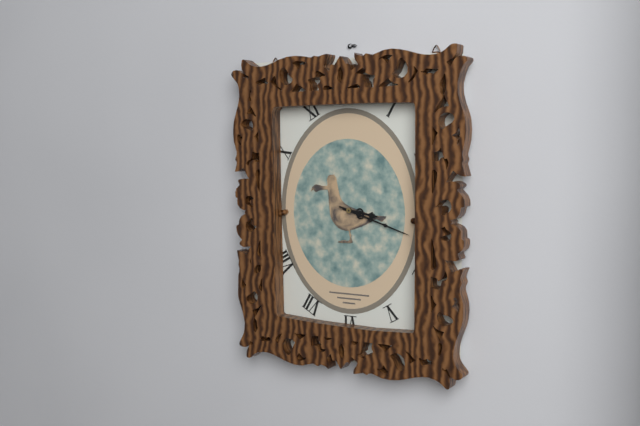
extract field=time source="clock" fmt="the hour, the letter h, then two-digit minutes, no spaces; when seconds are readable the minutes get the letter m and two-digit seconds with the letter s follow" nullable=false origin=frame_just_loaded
3h18
